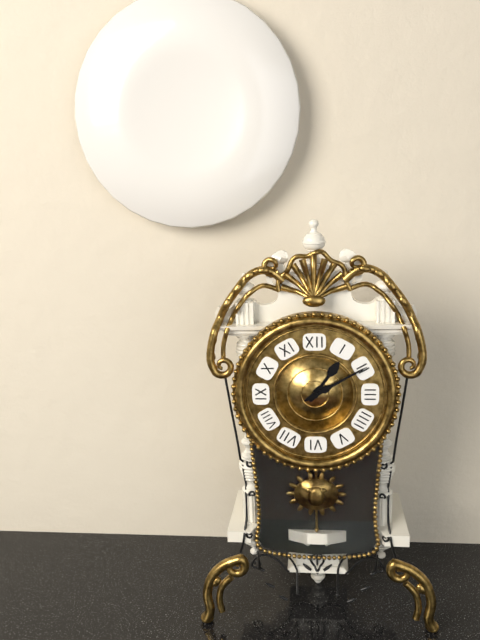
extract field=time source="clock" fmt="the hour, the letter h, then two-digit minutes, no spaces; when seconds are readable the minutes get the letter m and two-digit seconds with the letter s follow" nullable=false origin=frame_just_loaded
1h10
